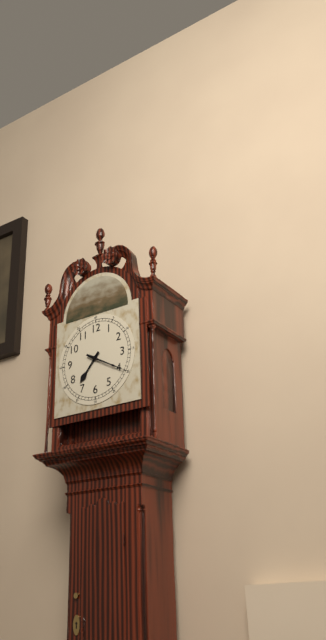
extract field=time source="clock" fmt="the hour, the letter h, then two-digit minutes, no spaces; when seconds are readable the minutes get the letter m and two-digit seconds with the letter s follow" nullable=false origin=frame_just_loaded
7h20
